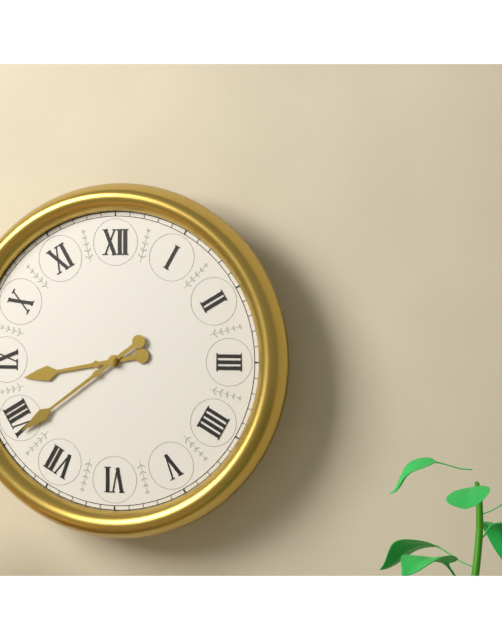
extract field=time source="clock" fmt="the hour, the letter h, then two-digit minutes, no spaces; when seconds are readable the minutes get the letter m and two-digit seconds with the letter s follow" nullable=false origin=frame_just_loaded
8h39
